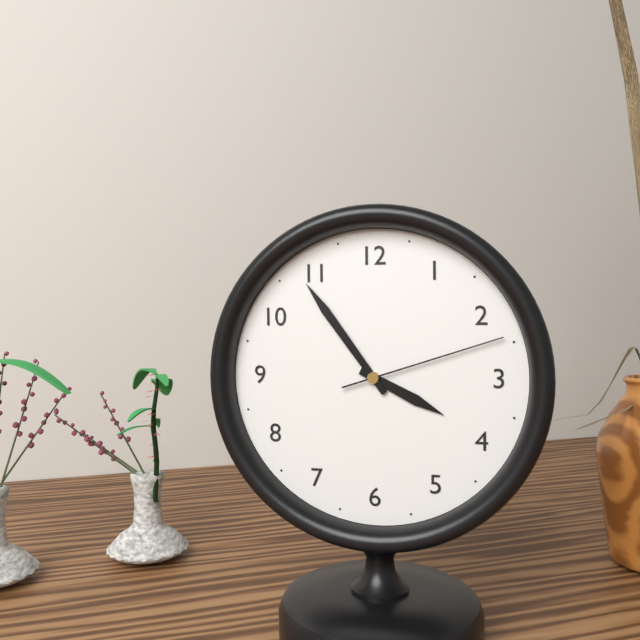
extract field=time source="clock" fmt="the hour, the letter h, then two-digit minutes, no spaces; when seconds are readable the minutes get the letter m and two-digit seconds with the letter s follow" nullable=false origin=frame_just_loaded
3h54m12s
